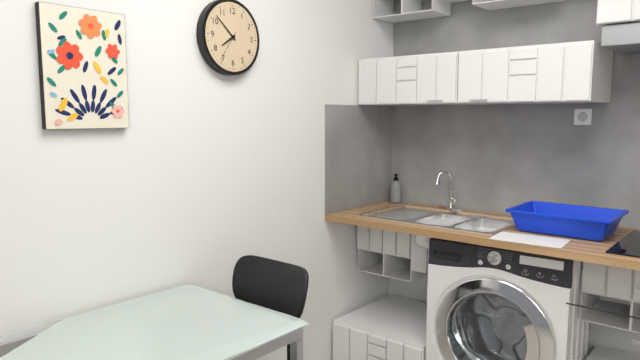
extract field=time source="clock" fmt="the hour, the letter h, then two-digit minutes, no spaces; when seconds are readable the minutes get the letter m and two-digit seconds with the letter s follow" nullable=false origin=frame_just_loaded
7h52
